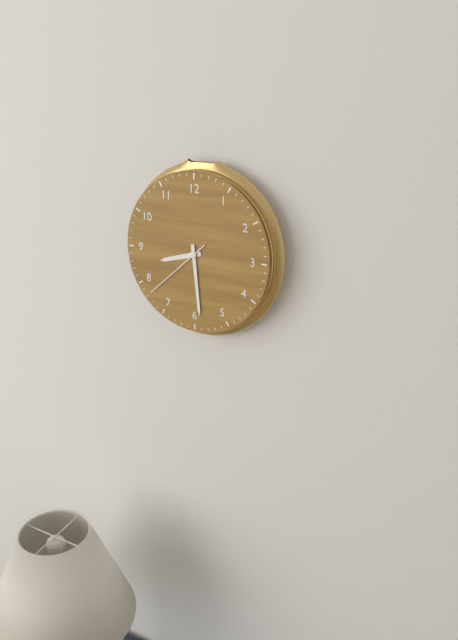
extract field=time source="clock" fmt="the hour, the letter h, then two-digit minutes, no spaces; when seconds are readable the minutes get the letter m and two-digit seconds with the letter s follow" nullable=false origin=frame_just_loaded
8h29m38s
